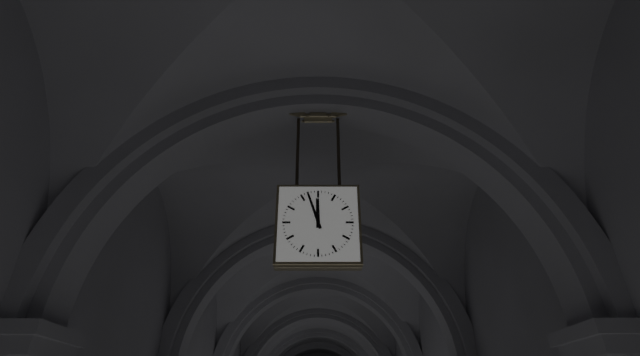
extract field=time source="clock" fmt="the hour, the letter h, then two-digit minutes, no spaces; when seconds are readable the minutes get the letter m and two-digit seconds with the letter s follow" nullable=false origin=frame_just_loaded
11h57
